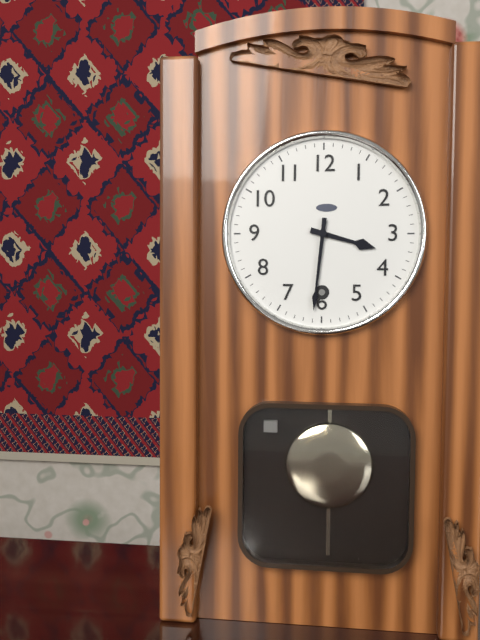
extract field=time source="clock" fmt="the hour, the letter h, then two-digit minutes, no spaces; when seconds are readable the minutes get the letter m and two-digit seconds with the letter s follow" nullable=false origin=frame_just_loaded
3h31
